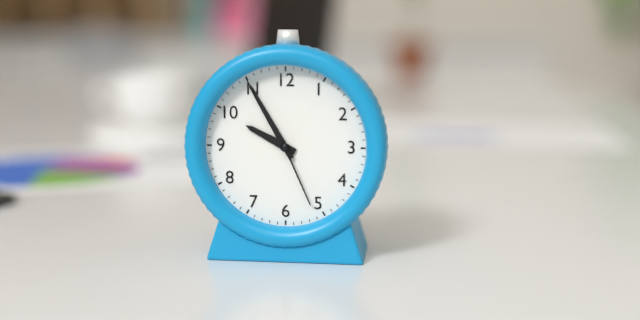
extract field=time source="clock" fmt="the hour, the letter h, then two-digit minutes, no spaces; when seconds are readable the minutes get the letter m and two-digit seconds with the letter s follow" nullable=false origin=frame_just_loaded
9h55m26s
